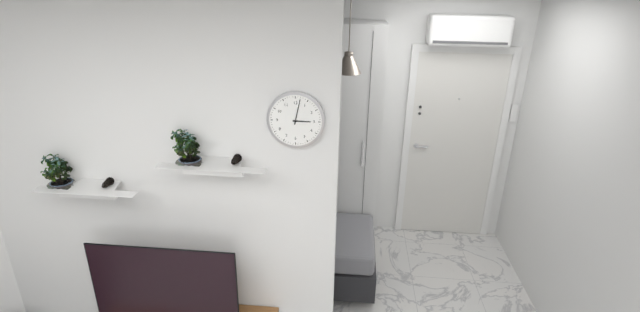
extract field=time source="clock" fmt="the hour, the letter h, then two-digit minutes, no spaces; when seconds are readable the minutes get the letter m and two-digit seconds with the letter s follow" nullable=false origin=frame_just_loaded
3h02
